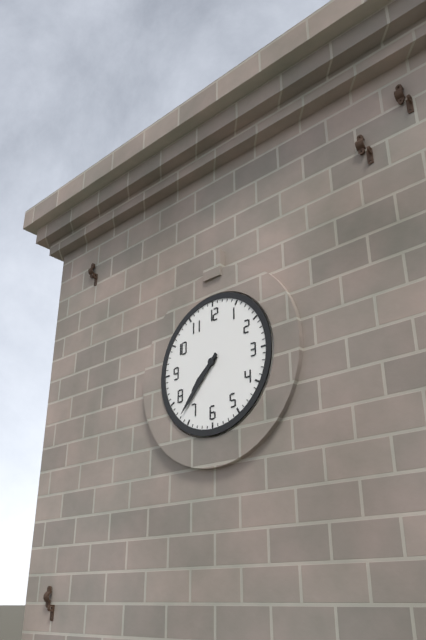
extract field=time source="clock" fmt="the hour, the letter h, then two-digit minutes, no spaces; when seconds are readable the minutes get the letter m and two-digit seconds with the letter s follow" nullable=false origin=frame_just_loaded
7h37
